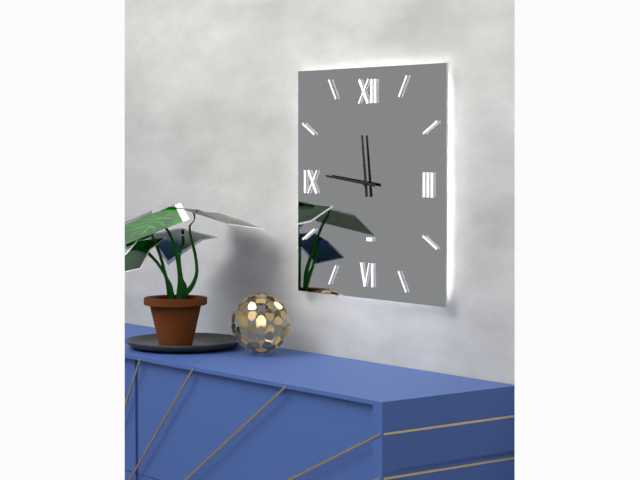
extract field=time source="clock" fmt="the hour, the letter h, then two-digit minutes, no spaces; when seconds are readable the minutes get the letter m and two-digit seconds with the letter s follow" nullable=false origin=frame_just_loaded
11h46
